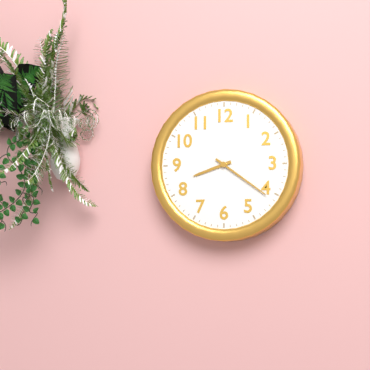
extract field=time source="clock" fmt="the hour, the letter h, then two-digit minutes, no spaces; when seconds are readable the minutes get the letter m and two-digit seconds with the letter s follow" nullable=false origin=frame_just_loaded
8h21
